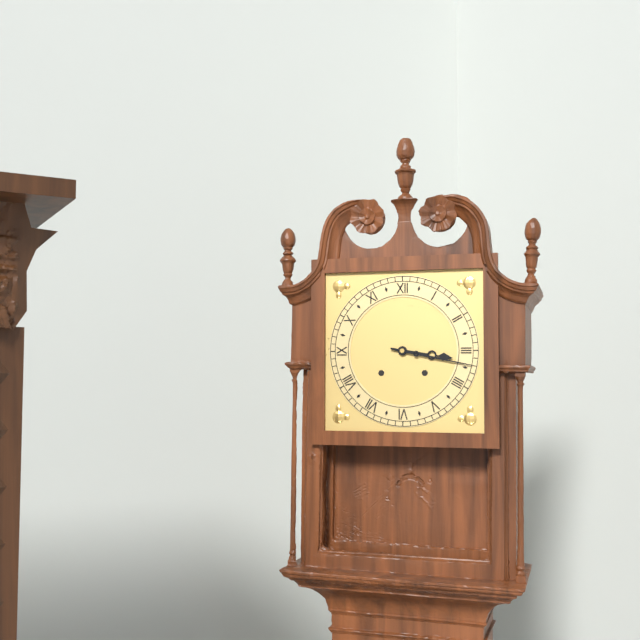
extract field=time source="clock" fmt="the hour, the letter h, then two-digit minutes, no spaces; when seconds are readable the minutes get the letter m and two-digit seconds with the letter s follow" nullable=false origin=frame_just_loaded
3h17
